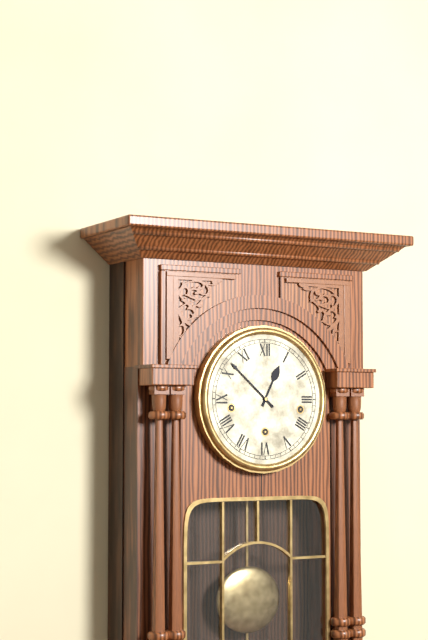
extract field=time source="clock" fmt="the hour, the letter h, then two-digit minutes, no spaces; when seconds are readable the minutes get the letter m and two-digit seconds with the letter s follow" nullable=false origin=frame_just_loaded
12h52
